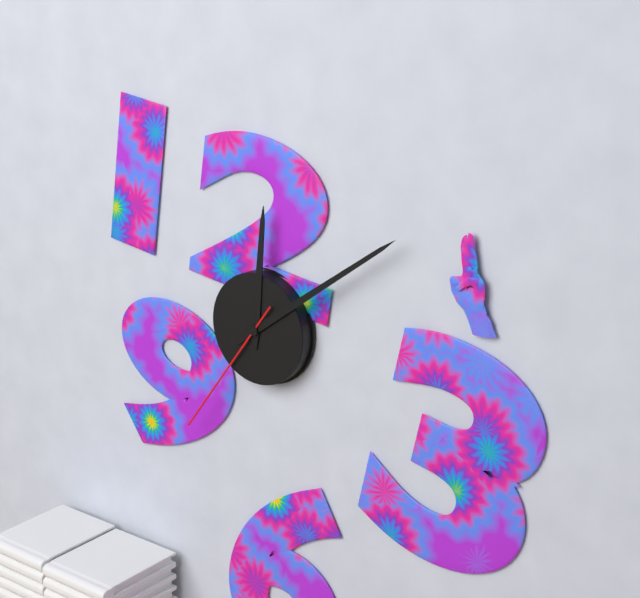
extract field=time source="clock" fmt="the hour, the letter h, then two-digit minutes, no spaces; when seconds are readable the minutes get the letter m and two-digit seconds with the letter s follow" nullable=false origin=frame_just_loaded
12h09m36s
